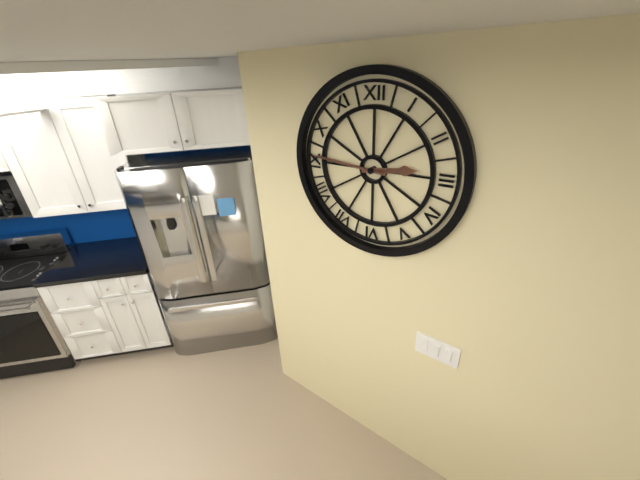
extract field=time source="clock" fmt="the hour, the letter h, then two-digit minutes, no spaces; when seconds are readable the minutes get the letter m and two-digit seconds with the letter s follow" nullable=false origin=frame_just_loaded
2h46
